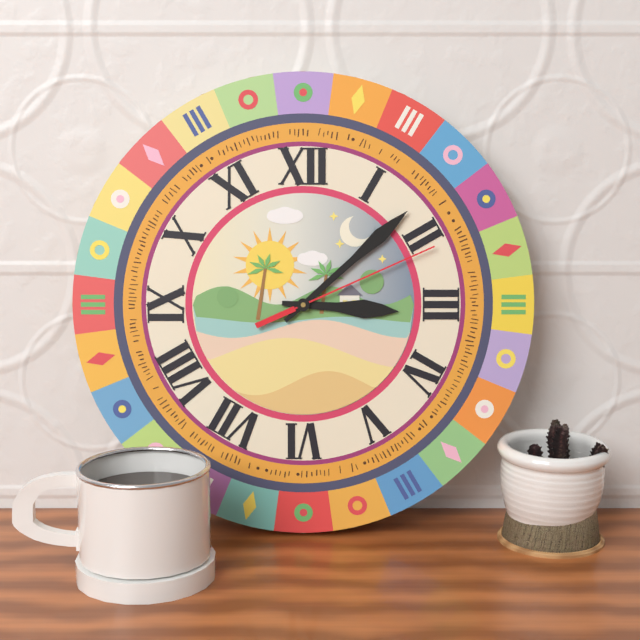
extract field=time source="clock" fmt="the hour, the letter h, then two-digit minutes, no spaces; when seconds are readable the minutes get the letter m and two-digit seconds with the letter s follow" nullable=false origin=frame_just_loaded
3h08m11s
